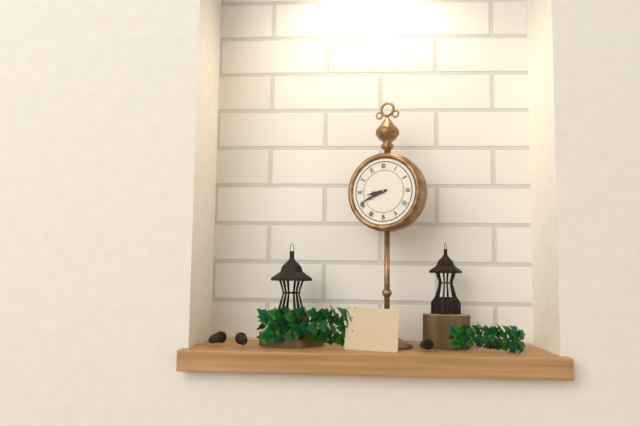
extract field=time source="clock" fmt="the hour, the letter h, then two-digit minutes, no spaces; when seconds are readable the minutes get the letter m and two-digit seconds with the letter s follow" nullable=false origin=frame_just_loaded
8h41
